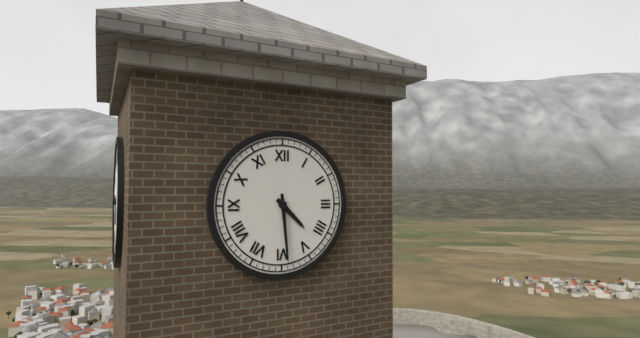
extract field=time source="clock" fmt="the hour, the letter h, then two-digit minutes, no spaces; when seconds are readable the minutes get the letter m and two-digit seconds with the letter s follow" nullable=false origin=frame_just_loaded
4h29
